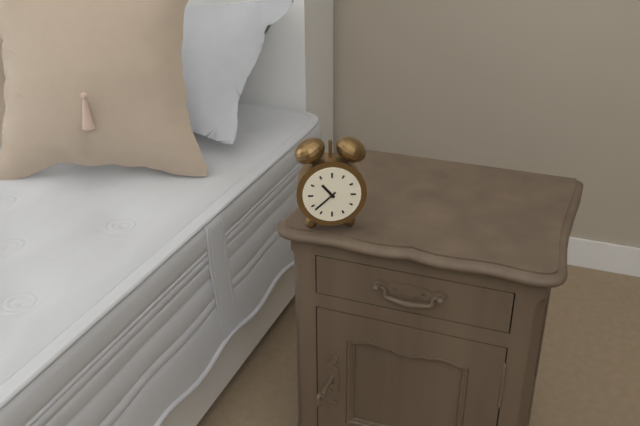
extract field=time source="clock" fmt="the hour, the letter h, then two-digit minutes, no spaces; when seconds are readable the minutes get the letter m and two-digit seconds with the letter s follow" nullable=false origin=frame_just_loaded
10h38
